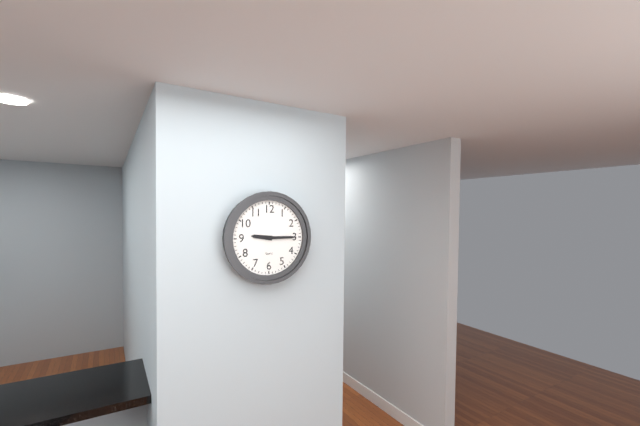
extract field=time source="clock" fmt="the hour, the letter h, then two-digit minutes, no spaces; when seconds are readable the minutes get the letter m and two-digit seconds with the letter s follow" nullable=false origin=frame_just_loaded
9h15
